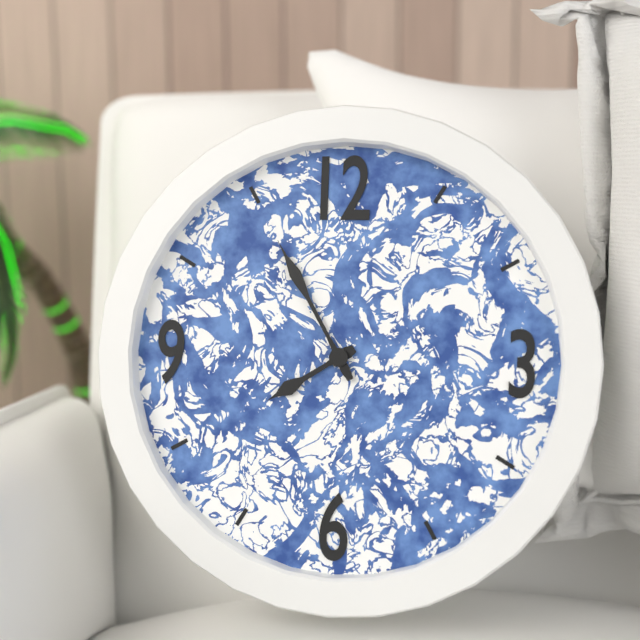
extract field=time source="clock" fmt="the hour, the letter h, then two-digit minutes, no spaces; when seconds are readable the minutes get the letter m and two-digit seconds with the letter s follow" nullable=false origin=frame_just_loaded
7h55
